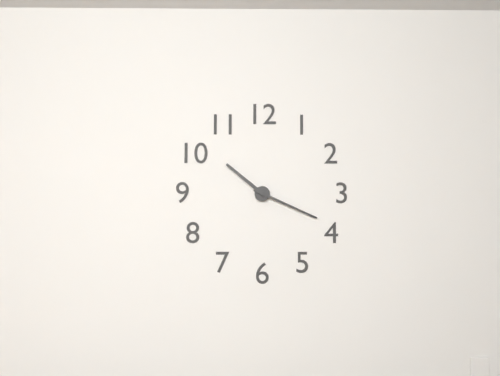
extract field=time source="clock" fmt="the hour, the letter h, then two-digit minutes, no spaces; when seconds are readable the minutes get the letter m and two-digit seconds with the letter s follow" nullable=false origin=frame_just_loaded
10h19
